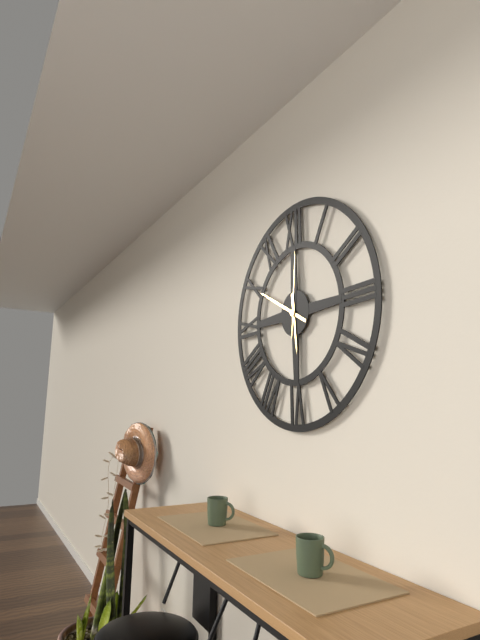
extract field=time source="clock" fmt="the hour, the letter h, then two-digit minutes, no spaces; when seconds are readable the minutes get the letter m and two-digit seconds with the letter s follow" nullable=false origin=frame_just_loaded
5h50m01s
